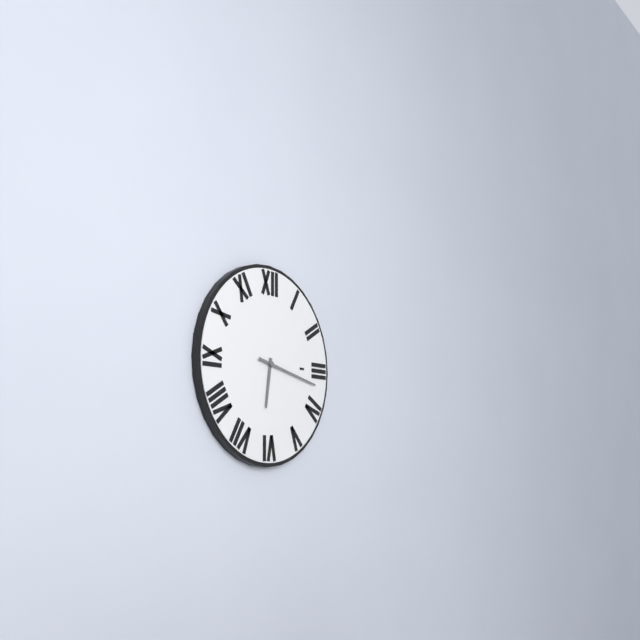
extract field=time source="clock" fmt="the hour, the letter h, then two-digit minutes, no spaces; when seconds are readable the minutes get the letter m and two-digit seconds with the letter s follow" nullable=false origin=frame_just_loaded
6h17
